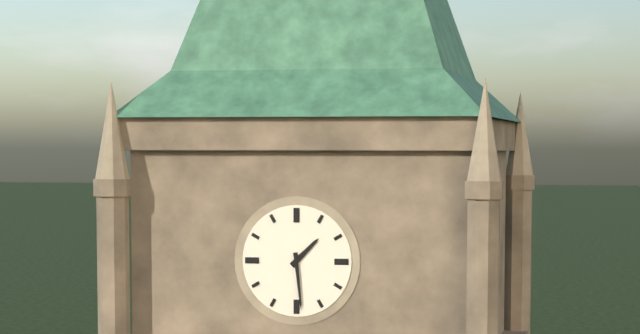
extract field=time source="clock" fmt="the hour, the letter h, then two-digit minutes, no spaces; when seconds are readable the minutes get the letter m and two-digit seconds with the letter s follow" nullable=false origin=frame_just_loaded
1h29
